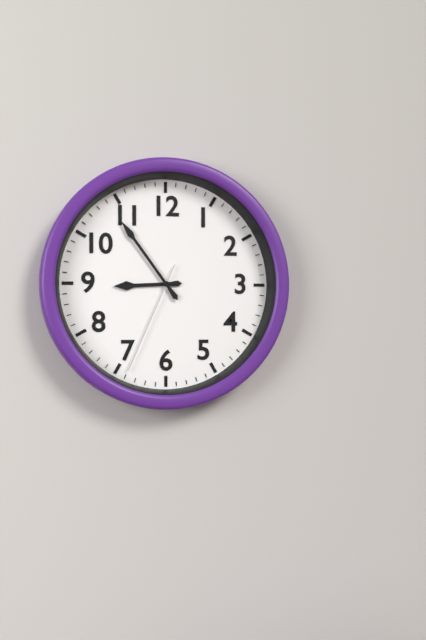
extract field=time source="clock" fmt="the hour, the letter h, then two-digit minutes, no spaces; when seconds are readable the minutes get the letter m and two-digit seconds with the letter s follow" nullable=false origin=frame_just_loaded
8h54m34s
